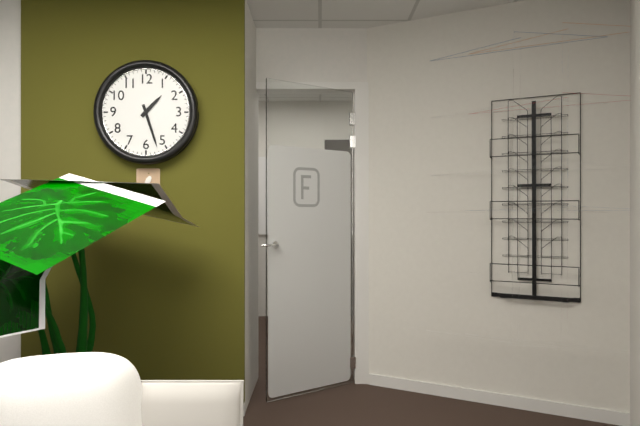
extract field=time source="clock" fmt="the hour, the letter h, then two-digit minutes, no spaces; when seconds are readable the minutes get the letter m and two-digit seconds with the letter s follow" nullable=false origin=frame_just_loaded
1h27
